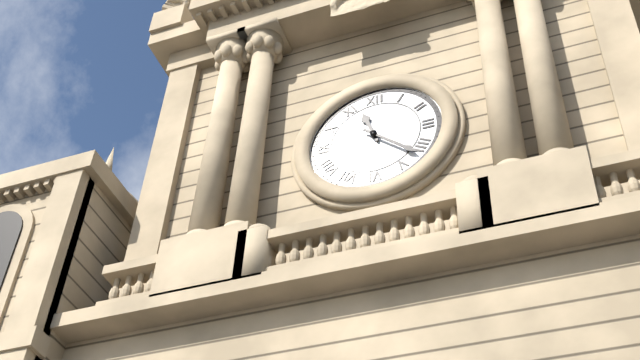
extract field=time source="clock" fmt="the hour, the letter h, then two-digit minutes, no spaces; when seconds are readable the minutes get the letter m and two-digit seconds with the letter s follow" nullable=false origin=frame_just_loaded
11h22
